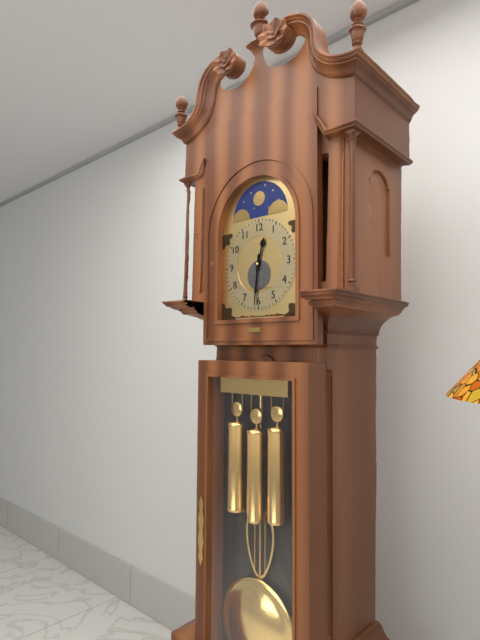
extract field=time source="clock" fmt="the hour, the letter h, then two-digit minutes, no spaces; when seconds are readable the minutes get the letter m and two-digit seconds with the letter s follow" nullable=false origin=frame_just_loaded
12h31
